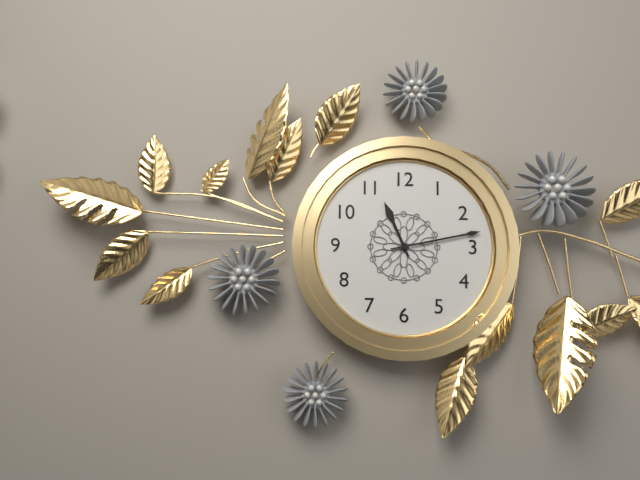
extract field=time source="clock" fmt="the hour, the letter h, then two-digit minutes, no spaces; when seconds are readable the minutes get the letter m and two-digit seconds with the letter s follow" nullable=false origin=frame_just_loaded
11h13
